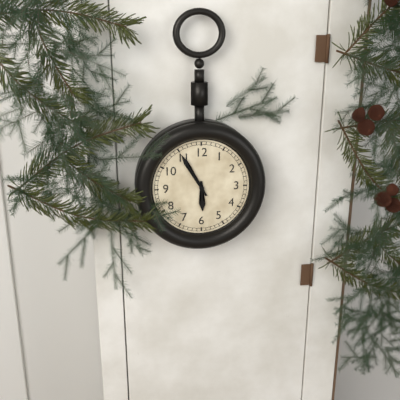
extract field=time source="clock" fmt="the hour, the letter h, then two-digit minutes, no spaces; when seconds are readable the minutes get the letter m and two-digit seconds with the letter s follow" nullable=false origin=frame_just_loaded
5h55
